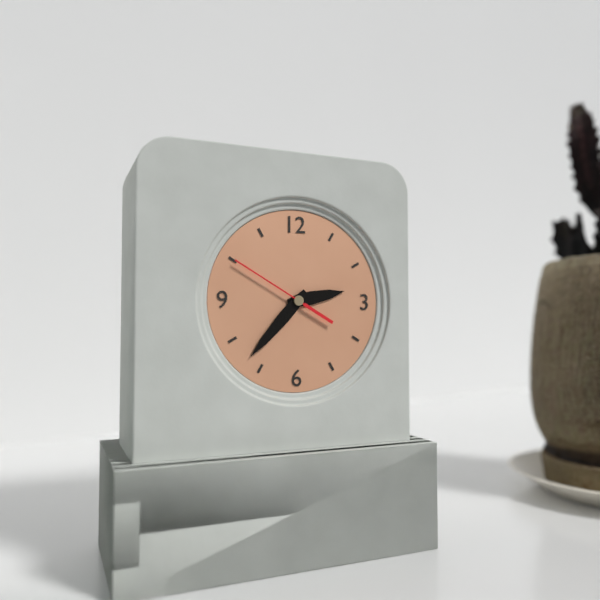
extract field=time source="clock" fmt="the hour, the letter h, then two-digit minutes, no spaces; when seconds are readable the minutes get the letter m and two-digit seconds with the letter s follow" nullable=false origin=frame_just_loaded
2h37m50s
